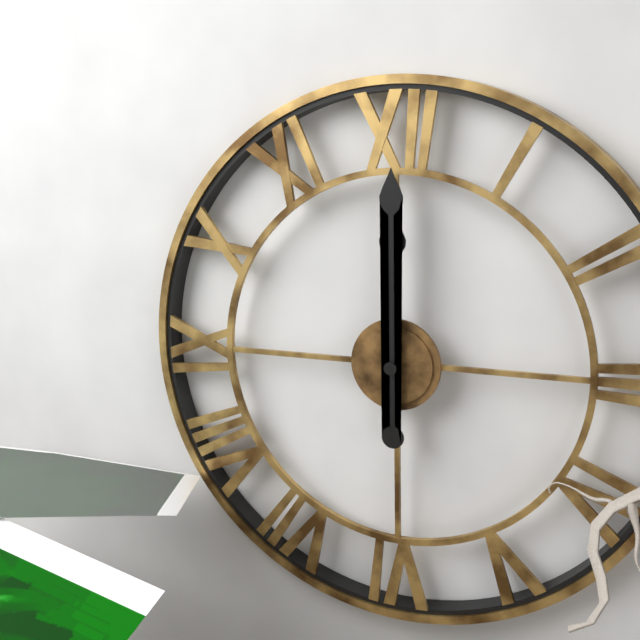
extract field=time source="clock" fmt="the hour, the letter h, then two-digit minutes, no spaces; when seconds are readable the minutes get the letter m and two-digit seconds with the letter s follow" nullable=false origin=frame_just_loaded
12h00
